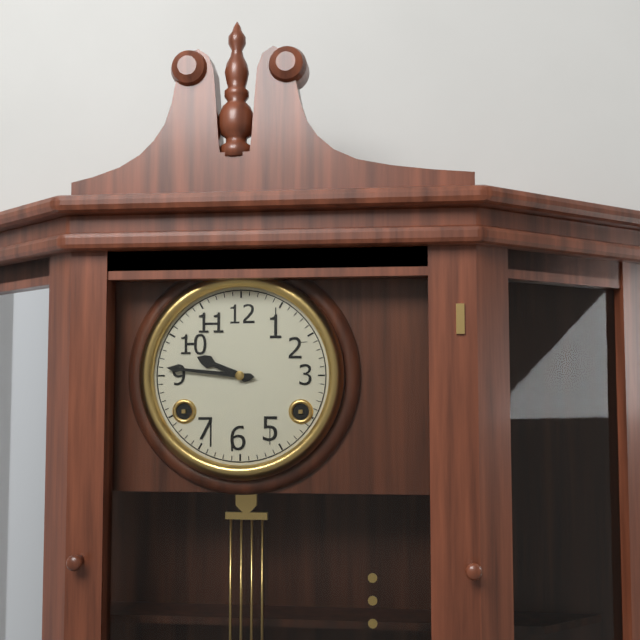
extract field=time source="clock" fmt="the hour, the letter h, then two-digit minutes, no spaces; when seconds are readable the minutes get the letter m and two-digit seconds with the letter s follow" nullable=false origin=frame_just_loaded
9h46
